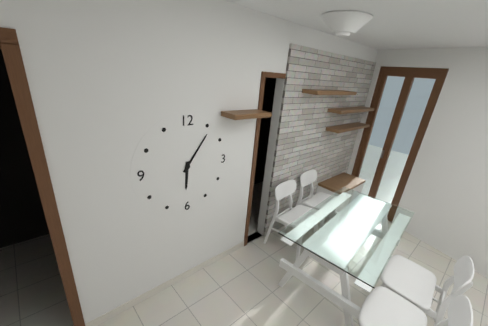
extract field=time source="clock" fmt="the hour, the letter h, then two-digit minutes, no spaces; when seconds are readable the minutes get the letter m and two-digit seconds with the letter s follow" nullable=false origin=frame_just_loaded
6h06
